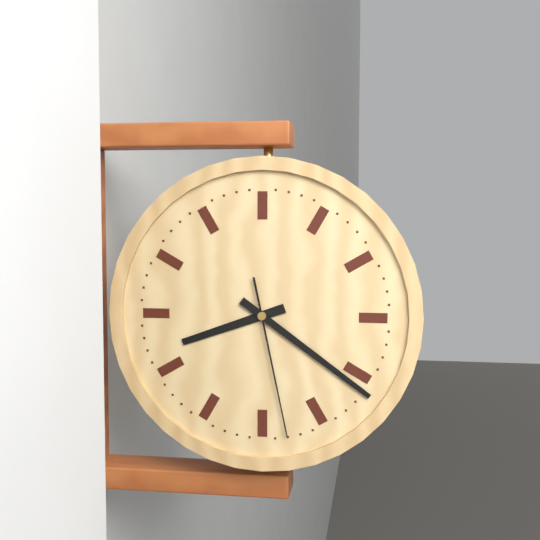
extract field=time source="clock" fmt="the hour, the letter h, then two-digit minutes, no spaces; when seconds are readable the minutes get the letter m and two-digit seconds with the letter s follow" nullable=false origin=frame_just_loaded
8h21m28s
